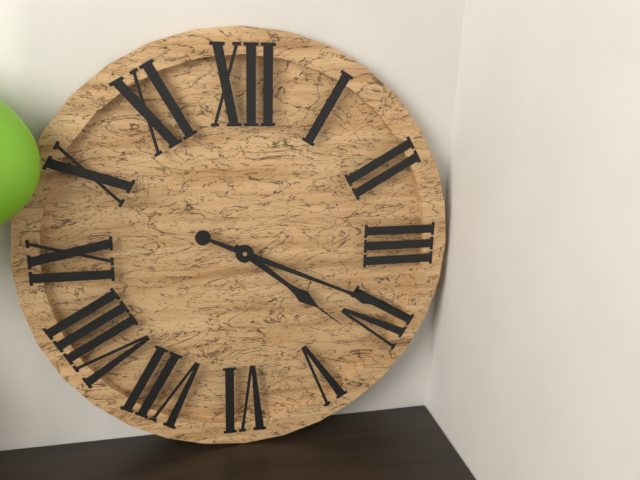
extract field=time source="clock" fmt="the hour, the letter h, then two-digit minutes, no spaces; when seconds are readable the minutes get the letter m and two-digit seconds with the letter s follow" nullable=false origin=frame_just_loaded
4h19
